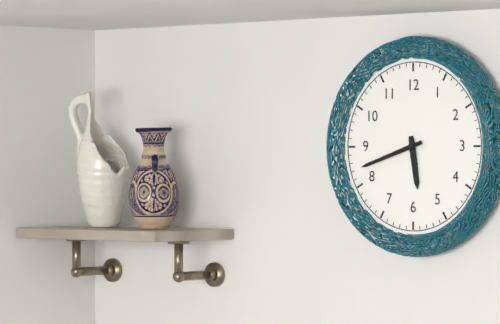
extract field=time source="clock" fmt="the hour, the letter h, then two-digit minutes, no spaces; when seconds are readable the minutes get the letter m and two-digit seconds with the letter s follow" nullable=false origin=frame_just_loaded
5h42
